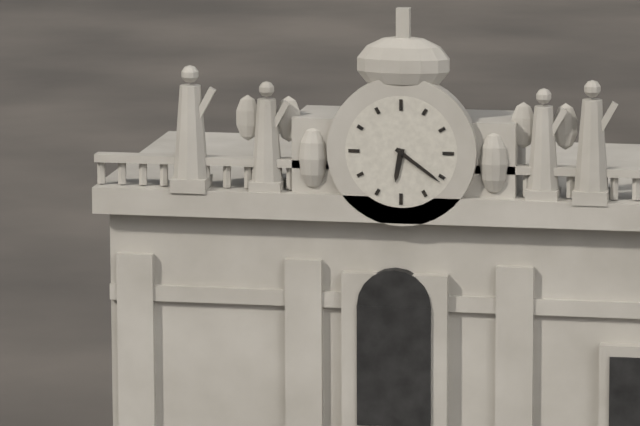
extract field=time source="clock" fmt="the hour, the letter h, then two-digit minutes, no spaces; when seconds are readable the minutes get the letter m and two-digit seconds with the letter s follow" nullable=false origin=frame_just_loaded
6h21
